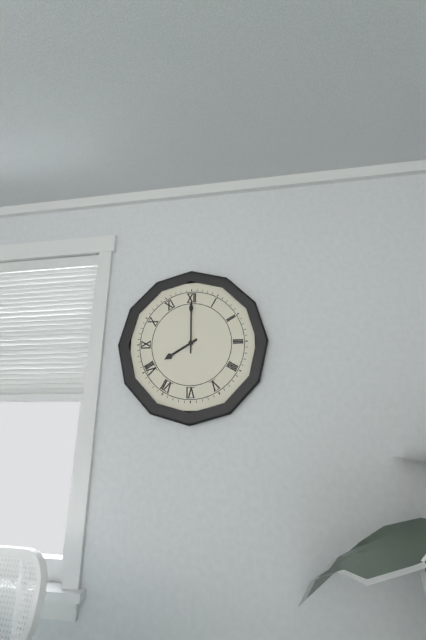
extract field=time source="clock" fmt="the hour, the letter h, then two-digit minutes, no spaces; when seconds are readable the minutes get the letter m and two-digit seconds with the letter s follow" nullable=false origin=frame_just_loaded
8h00
